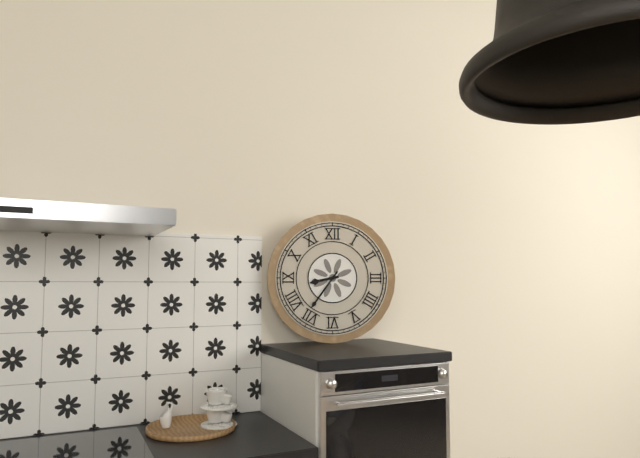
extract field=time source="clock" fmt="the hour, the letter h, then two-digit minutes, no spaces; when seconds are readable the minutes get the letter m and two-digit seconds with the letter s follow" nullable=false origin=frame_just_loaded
8h36
